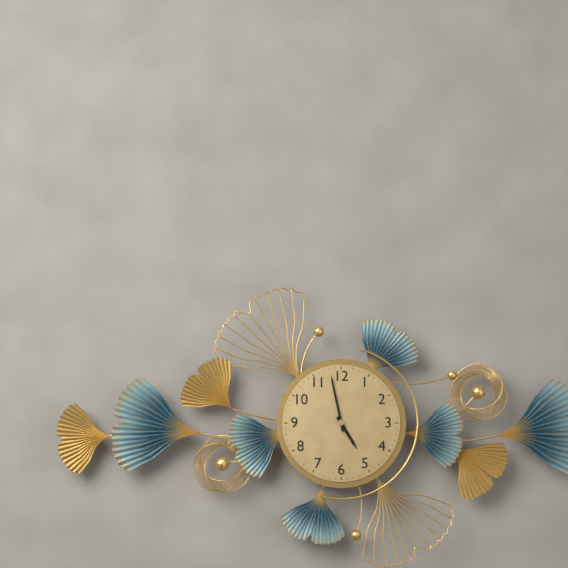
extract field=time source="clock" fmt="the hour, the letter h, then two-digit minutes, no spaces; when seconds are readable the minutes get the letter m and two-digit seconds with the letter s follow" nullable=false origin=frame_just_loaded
4h58
